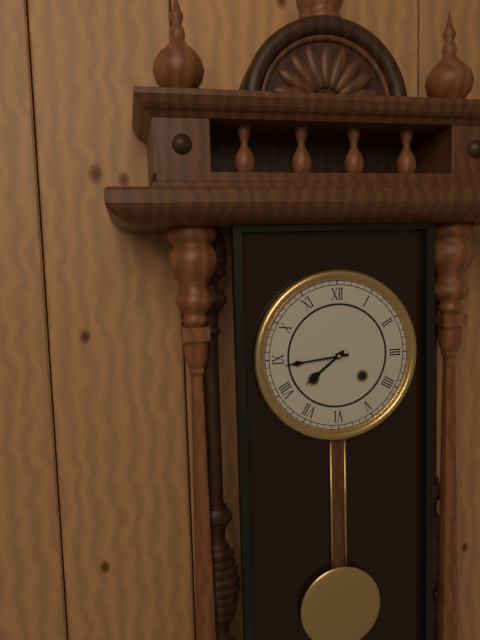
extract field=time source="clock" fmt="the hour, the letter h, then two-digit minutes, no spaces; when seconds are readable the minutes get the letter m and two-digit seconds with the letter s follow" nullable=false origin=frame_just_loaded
7h44
